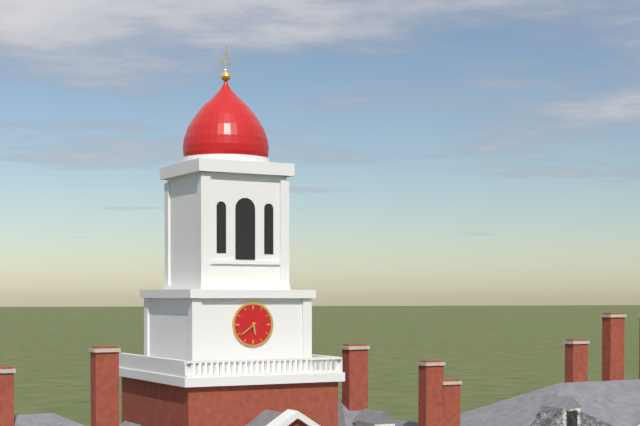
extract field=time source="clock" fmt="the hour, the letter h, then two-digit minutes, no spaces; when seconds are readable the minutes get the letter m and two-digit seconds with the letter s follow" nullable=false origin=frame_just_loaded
5h39
